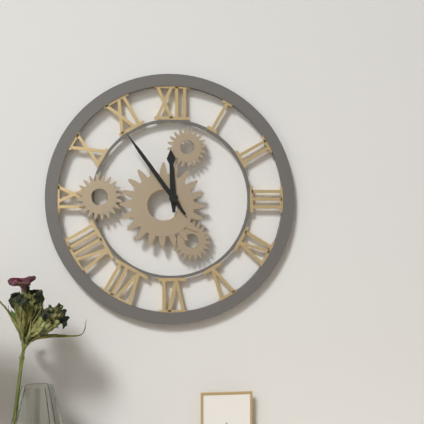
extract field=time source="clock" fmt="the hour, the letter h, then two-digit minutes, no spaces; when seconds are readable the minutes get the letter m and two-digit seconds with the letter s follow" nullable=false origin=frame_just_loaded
11h54
